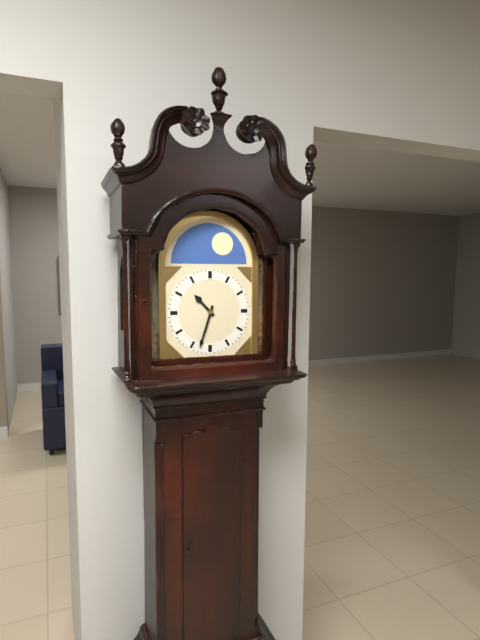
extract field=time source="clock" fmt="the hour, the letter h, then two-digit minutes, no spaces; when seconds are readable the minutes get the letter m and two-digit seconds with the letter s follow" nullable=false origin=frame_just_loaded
10h33
